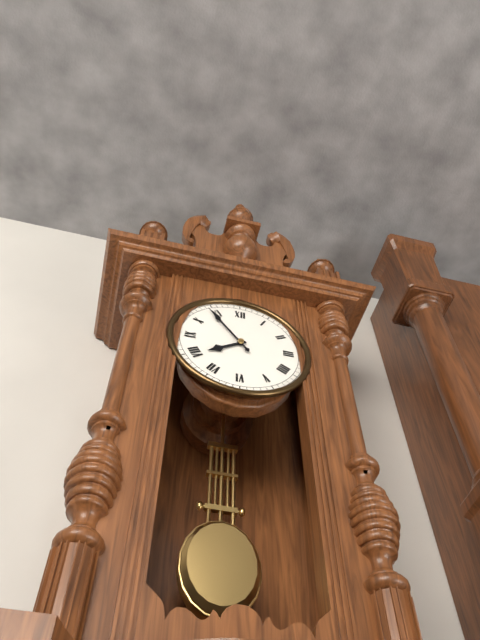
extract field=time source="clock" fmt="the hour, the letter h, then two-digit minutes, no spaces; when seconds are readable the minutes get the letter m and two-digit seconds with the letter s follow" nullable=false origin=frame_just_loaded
7h54
